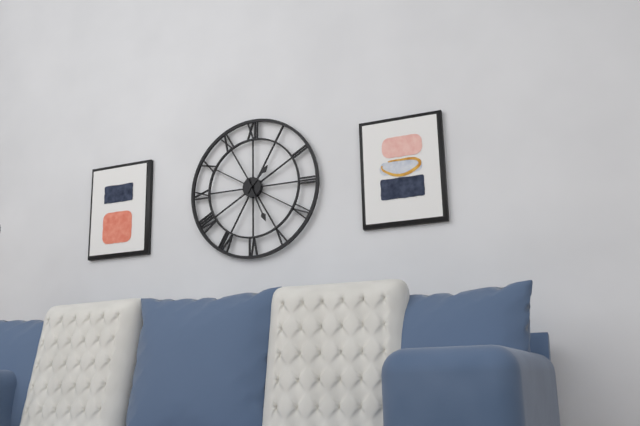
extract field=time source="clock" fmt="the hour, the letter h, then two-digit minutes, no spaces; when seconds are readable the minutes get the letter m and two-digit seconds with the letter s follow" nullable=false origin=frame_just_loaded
1h26
